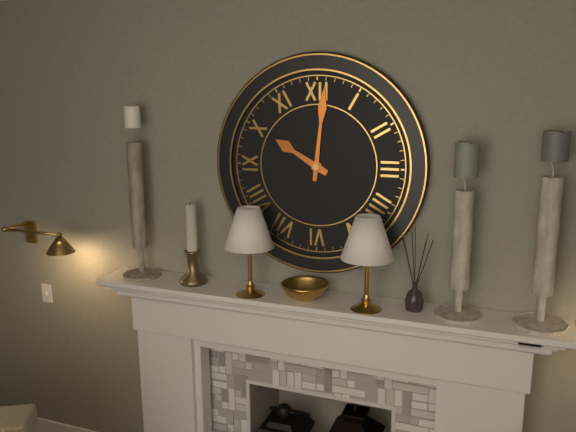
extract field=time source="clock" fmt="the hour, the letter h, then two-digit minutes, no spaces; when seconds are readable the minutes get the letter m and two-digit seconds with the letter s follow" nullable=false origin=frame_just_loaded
10h01
